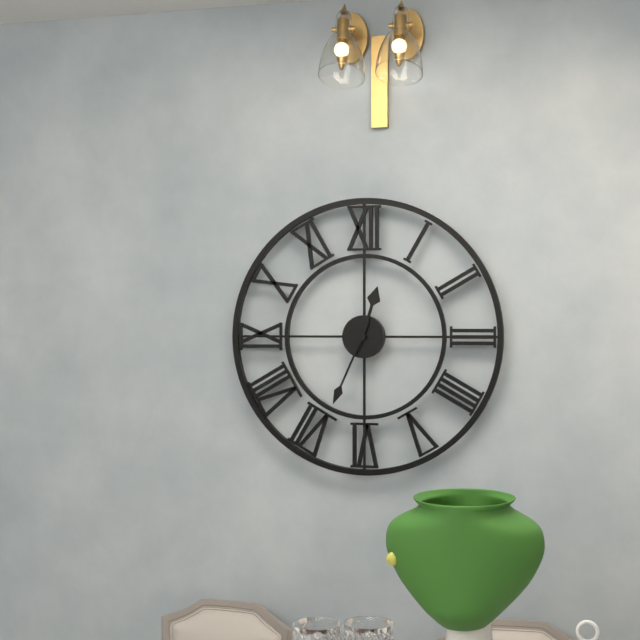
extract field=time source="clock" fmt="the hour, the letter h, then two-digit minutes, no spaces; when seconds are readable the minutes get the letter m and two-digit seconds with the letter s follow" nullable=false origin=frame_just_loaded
12h34
